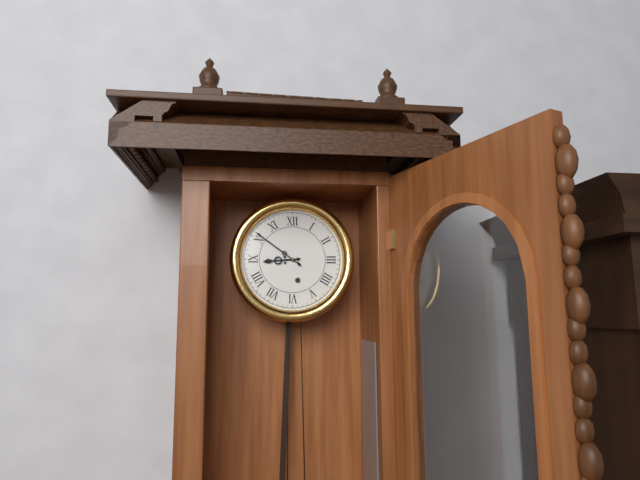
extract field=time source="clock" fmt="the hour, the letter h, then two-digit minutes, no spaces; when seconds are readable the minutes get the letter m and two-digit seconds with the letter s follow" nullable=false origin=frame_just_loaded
8h51
